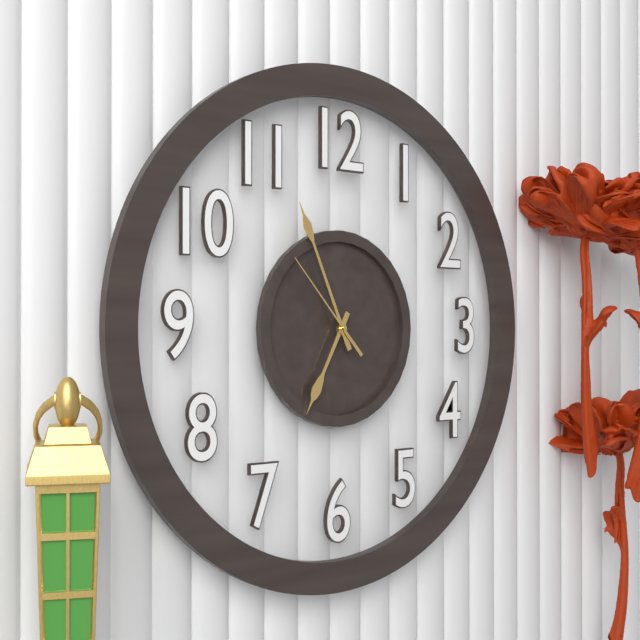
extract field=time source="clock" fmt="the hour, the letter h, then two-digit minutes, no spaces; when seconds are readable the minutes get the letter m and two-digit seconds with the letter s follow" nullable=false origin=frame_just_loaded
6h56m53s
